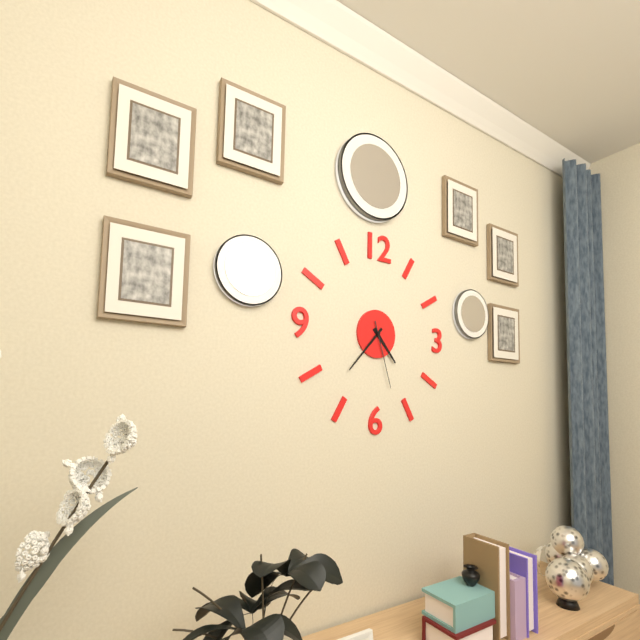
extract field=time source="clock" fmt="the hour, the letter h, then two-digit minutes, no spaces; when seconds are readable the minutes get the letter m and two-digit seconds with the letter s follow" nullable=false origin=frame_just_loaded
4h37m27s
